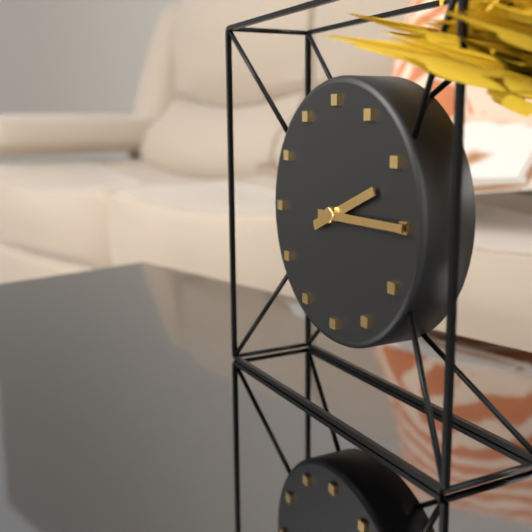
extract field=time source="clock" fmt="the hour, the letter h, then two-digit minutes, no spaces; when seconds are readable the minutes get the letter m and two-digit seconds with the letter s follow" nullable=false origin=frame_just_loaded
2h15
